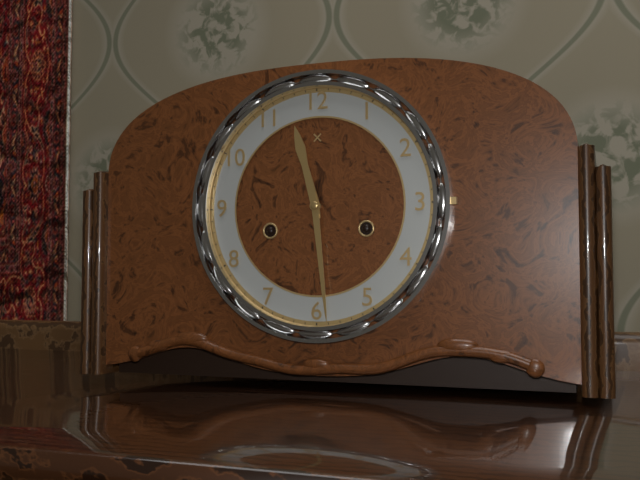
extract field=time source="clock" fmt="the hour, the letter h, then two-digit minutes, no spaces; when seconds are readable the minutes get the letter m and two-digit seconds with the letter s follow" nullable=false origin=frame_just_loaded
11h29
